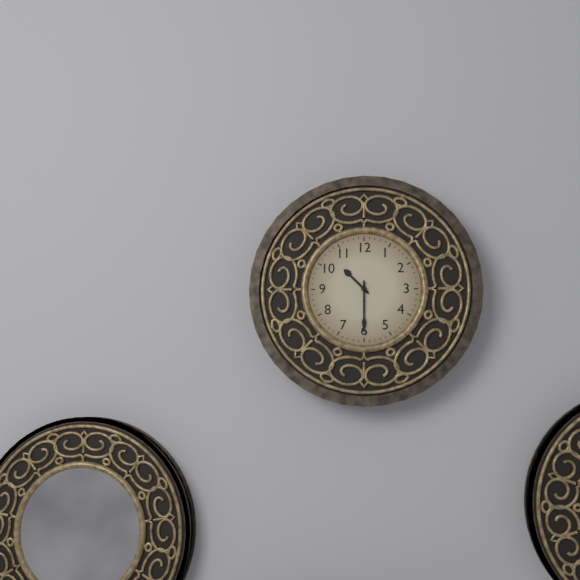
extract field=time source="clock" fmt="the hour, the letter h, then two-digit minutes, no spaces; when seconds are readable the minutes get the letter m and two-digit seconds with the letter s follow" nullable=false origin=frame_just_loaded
10h30
